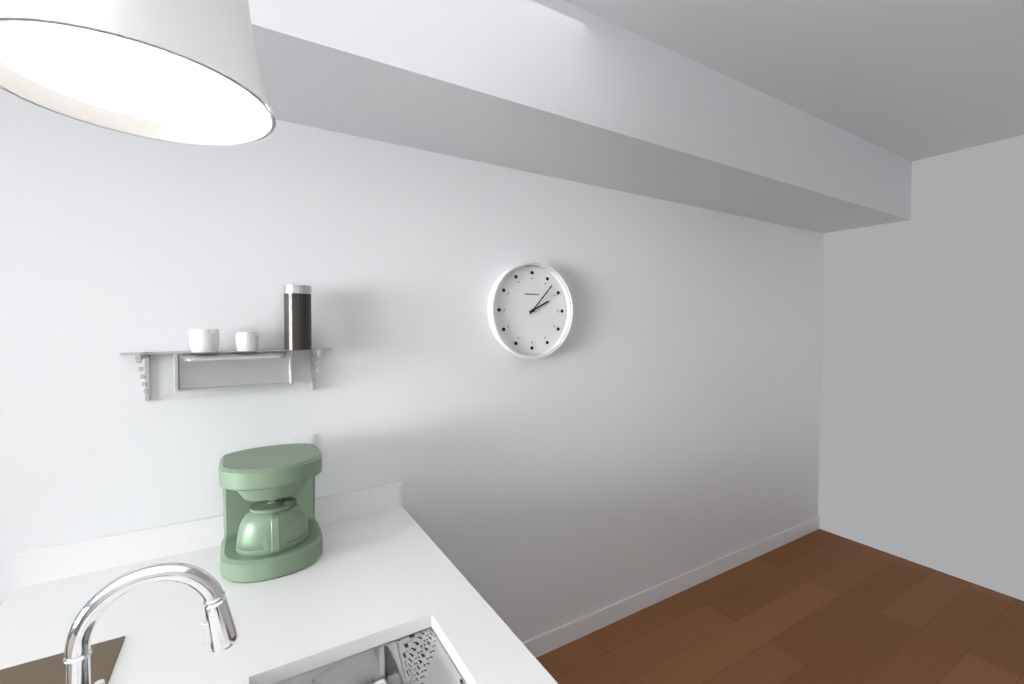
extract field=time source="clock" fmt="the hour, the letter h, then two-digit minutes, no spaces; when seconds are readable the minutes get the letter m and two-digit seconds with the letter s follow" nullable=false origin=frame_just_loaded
2h07
